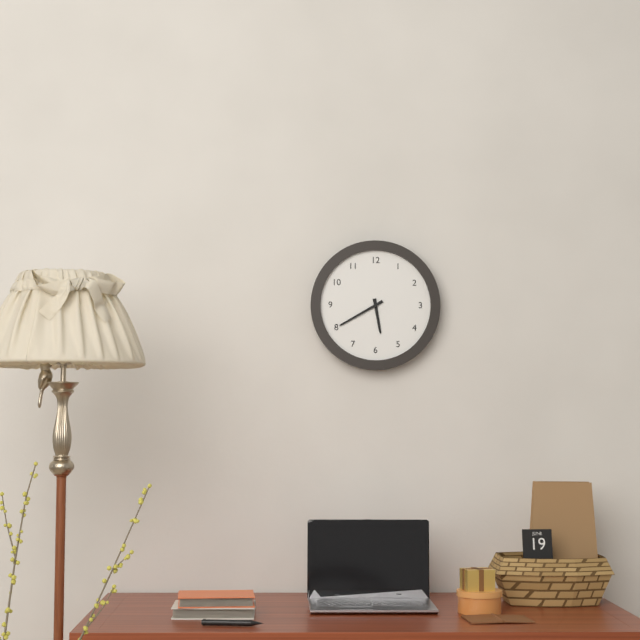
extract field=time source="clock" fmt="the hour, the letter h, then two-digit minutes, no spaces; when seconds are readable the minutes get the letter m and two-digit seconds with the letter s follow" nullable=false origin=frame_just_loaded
5h40
